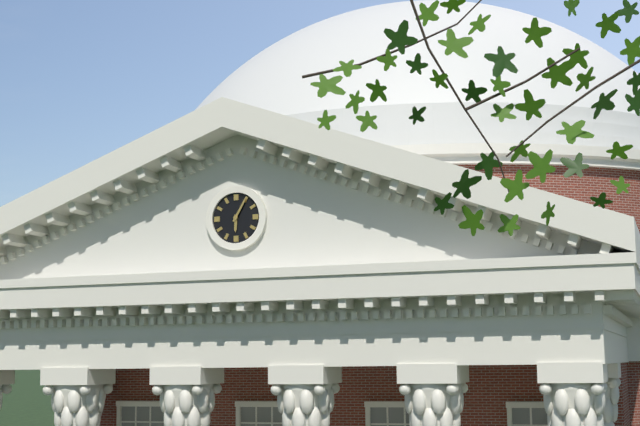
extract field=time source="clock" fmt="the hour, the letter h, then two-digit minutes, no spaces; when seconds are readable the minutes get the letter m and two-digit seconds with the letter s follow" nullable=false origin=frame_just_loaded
6h05
